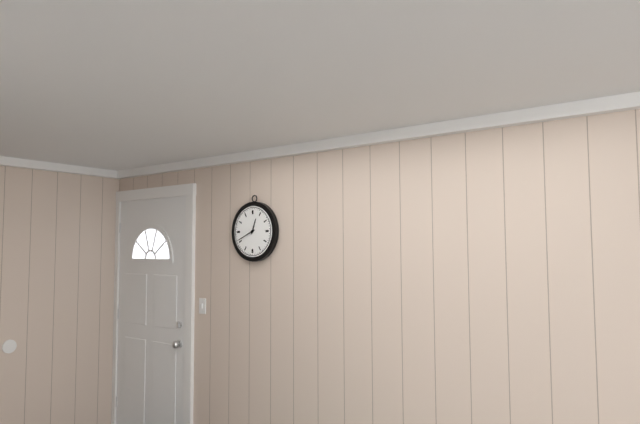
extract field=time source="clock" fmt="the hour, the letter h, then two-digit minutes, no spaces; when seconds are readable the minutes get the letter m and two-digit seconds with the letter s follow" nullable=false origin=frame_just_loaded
12h41
